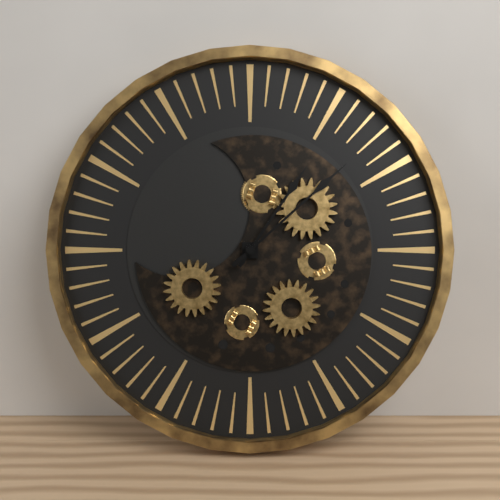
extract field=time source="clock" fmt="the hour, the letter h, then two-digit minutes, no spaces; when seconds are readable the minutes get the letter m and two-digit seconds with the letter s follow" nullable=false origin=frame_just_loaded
1h08
